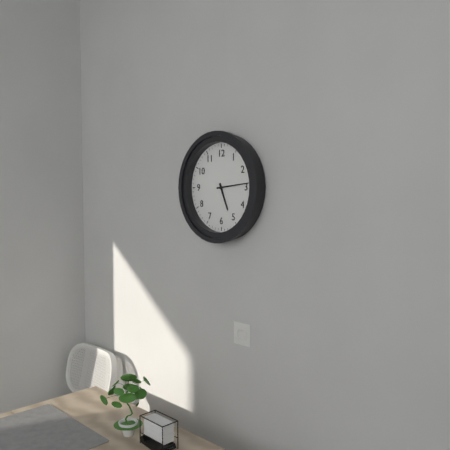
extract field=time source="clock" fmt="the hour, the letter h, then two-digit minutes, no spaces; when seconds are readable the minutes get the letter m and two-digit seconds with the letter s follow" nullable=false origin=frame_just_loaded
5h14
